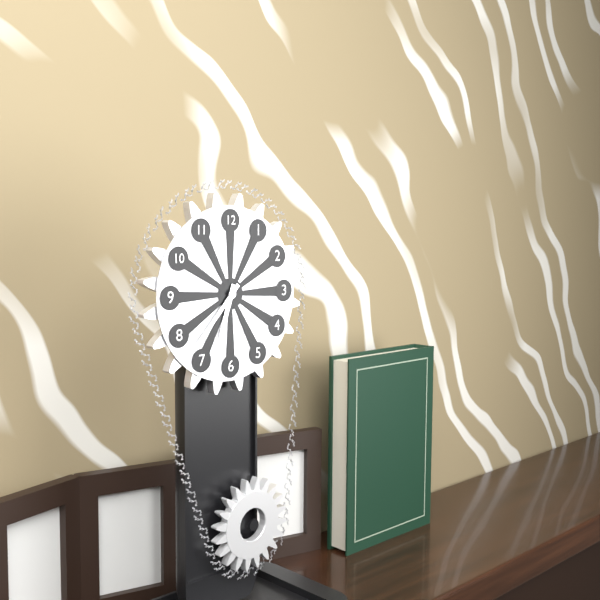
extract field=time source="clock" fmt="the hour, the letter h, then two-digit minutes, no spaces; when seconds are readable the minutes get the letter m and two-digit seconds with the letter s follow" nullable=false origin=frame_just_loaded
6h37
